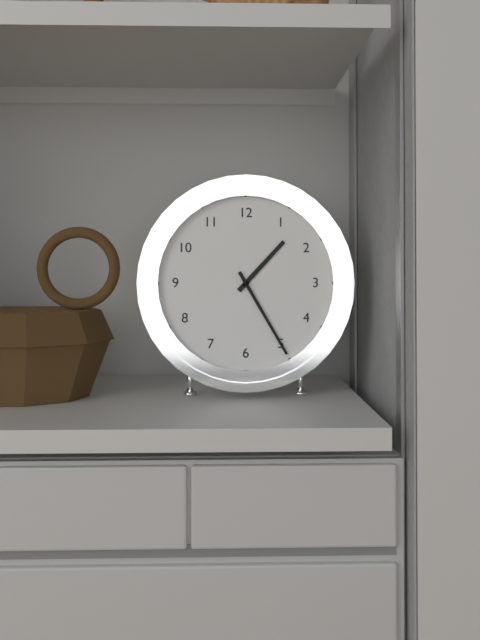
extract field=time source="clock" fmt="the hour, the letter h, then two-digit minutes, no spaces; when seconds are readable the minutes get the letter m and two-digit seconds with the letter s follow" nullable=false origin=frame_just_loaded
1h25
